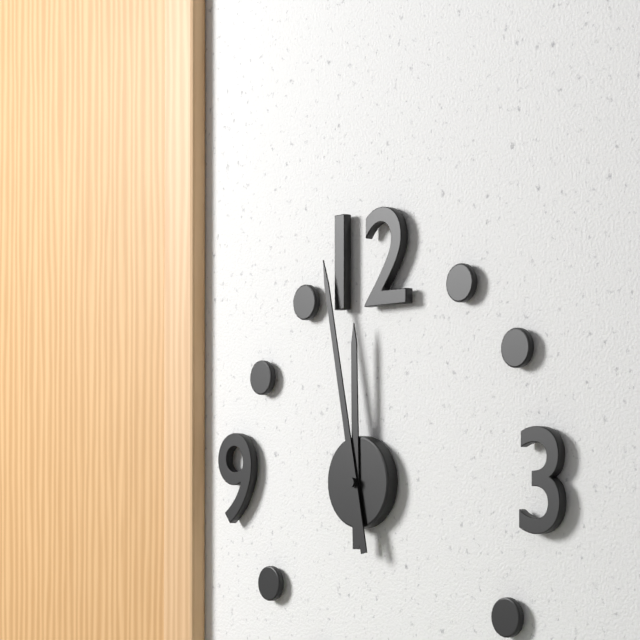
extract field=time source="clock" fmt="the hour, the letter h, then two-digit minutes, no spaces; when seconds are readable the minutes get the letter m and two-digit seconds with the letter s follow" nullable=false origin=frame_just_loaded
11h58
